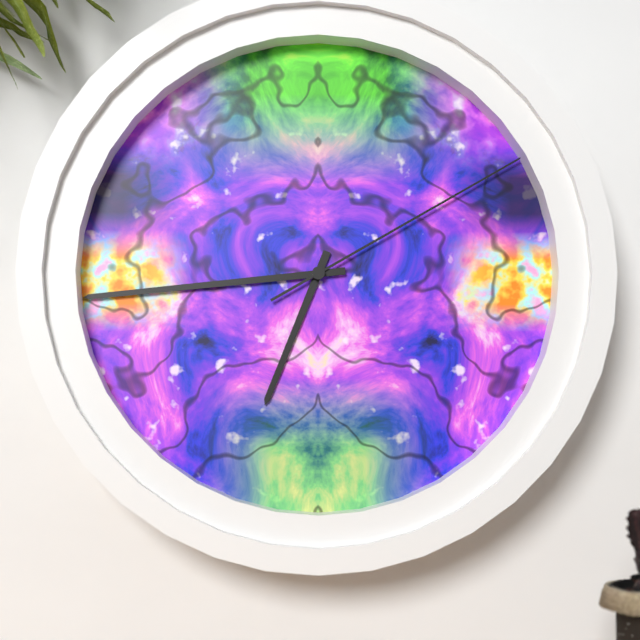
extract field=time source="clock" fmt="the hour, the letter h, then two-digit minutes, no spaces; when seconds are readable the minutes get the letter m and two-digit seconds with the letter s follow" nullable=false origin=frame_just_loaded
6h44m10s
